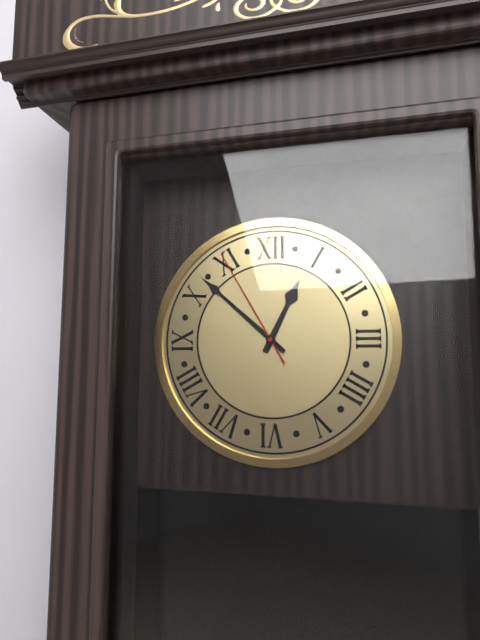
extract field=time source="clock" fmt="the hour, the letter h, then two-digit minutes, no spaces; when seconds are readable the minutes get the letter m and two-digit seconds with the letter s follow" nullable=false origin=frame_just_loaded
12h52m55s
